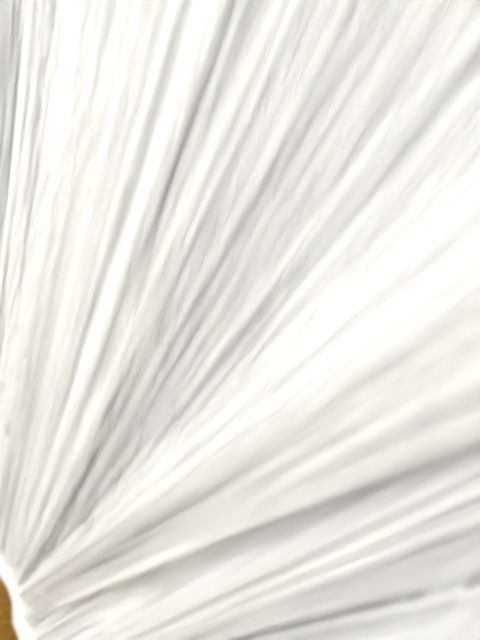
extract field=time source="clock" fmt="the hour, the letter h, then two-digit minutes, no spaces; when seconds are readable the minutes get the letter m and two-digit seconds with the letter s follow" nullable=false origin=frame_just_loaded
6h58
